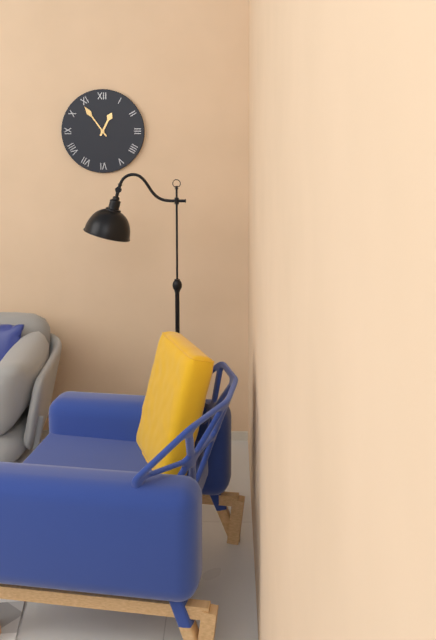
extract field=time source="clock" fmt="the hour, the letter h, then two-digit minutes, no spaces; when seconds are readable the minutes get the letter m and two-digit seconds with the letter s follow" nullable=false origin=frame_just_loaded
12h54
